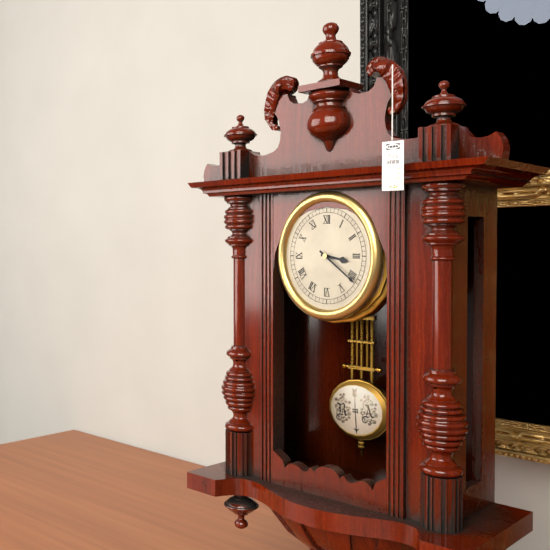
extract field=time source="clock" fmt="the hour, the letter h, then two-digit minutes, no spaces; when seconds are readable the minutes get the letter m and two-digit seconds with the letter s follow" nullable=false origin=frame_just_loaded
3h21
